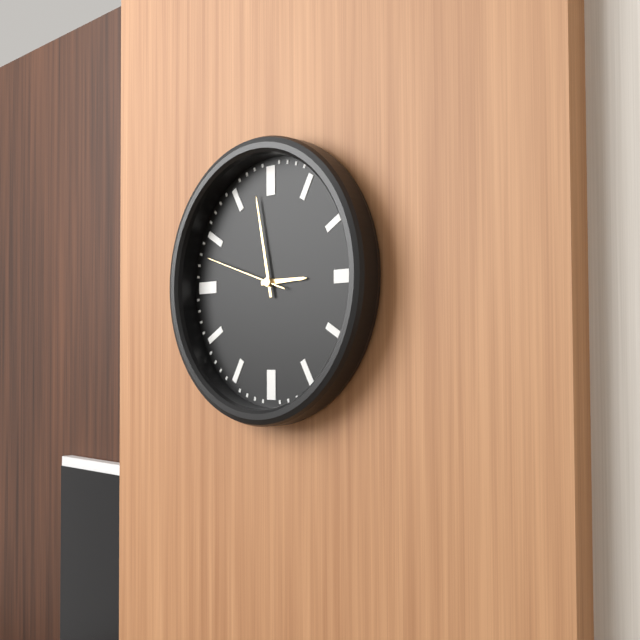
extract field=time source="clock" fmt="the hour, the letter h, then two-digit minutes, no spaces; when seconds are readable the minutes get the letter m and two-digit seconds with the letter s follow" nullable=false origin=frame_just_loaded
2h58m48s
